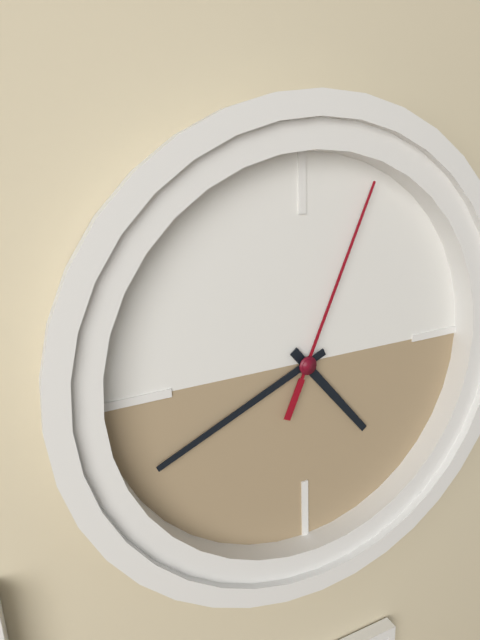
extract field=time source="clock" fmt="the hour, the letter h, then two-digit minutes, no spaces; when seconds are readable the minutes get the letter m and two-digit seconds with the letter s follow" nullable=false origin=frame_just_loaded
4h41m04s
